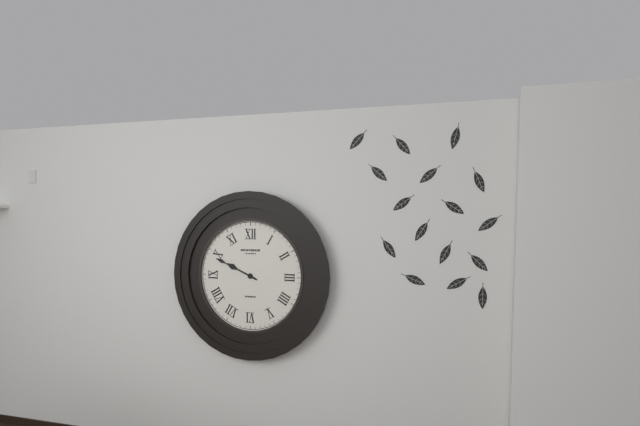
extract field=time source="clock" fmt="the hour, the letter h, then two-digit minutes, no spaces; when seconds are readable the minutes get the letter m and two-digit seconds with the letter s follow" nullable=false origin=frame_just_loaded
9h49
